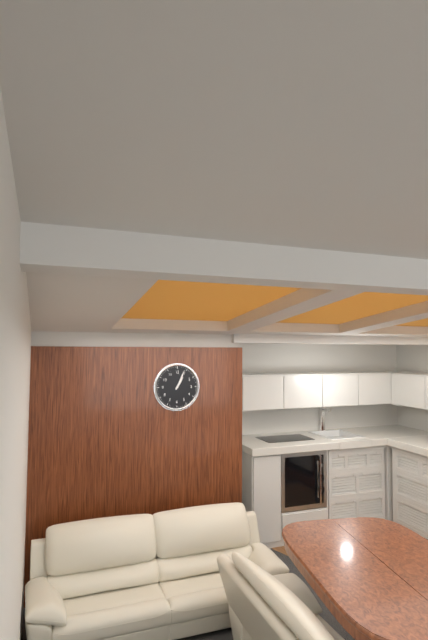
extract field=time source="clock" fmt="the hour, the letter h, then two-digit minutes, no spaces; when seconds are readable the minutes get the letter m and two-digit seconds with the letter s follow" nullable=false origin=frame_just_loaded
1h04
